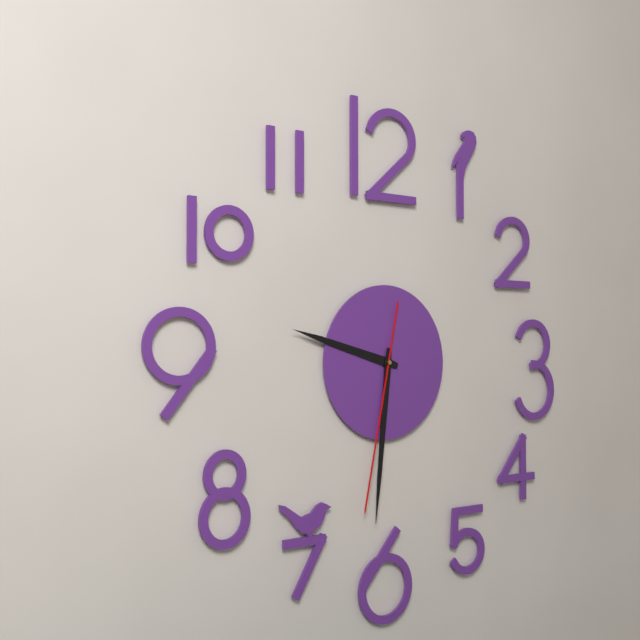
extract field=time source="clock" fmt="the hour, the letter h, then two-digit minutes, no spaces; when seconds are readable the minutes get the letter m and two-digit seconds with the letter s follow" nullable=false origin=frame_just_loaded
9h31m32s
